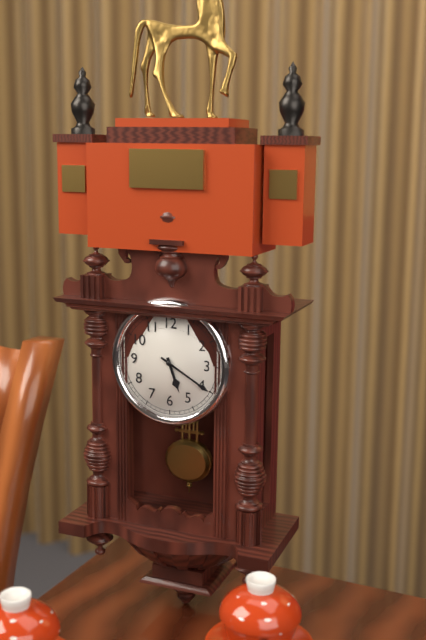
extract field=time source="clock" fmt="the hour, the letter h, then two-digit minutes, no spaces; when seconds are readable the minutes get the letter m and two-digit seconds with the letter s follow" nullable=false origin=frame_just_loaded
5h20
